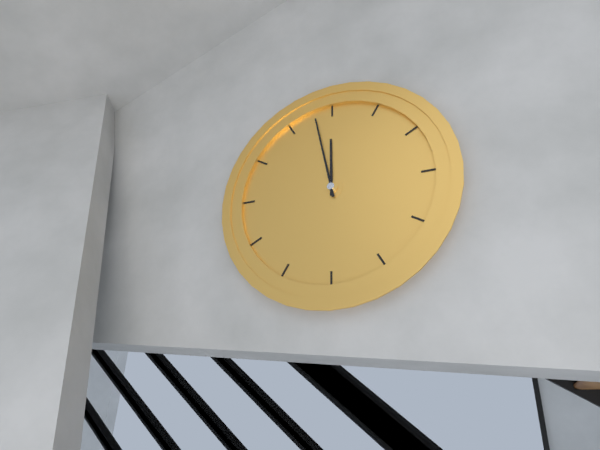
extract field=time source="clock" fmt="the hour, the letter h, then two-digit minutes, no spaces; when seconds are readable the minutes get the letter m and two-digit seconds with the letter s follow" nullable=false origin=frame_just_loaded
11h58
